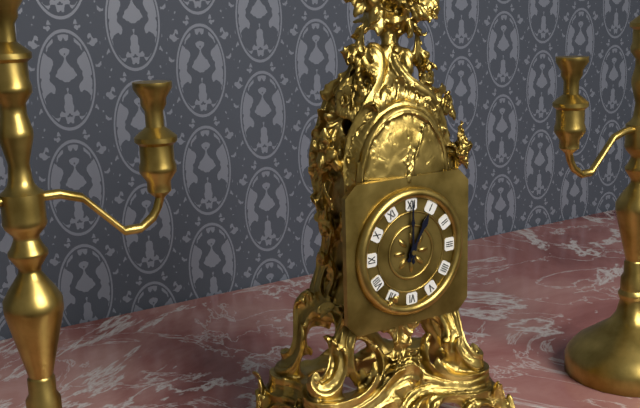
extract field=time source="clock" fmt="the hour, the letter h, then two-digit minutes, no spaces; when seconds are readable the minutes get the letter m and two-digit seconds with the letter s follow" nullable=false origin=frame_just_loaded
1h00
